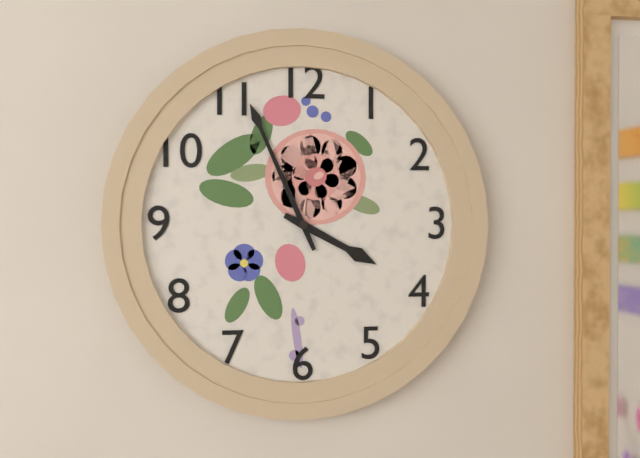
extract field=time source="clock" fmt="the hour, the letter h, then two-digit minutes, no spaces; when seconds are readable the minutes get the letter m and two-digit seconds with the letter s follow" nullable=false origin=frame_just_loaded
3h56
